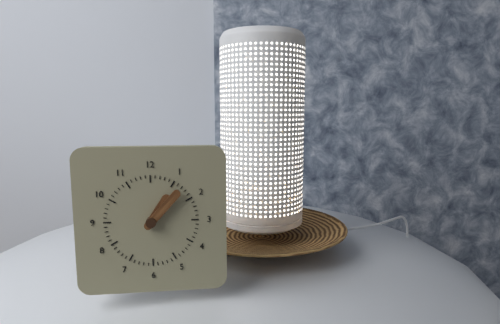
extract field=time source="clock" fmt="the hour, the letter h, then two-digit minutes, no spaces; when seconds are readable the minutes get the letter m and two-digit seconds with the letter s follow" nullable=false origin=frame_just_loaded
1h07
